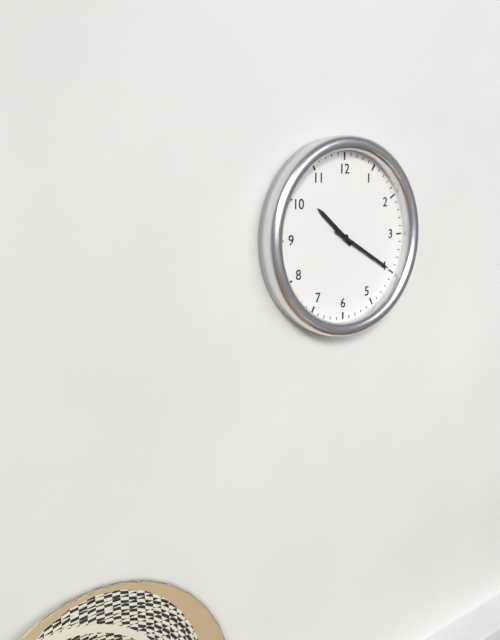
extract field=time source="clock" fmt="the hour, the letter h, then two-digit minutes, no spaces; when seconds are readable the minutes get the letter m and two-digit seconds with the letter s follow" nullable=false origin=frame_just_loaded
10h20
